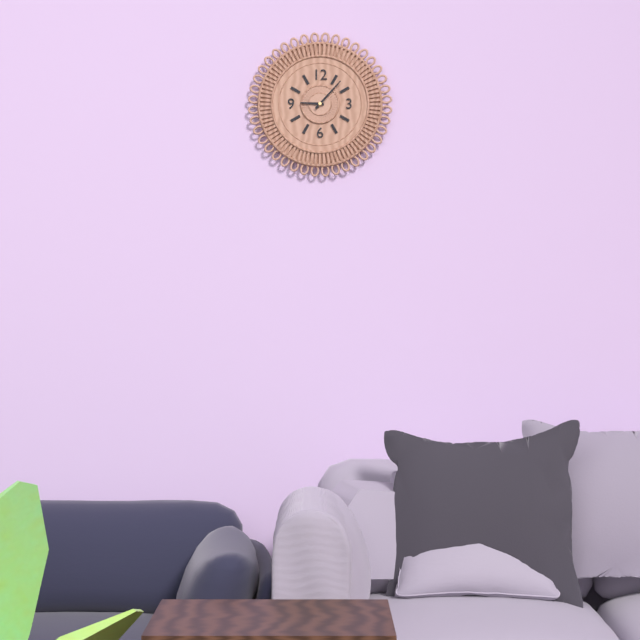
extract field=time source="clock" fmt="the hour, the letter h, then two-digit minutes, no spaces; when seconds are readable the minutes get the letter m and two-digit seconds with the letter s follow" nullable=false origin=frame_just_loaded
9h07
